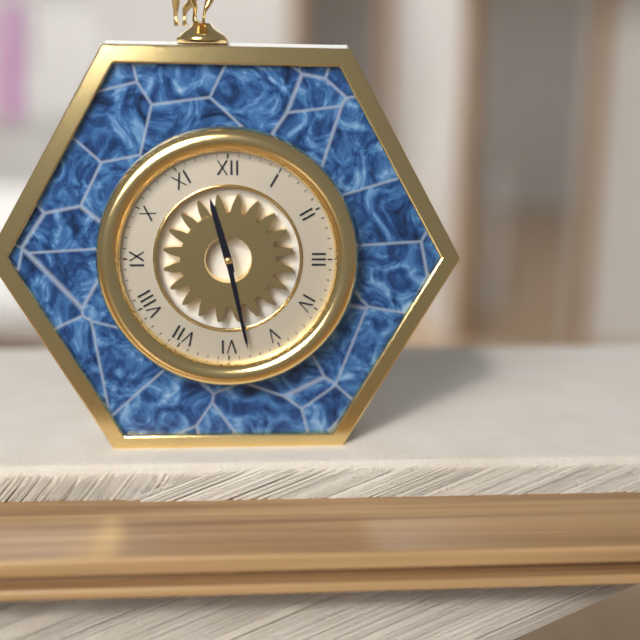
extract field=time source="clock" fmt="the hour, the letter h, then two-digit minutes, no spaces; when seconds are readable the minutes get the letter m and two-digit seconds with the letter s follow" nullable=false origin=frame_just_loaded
11h28
